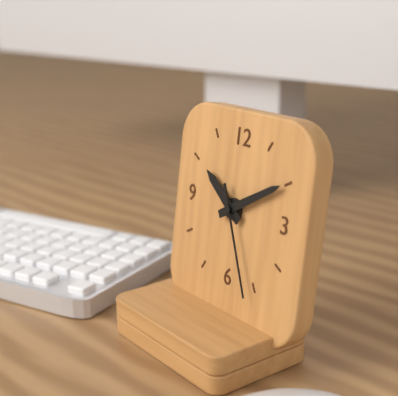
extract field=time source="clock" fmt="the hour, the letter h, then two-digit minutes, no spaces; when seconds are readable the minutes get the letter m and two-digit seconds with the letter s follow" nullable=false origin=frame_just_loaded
10h10m26s
